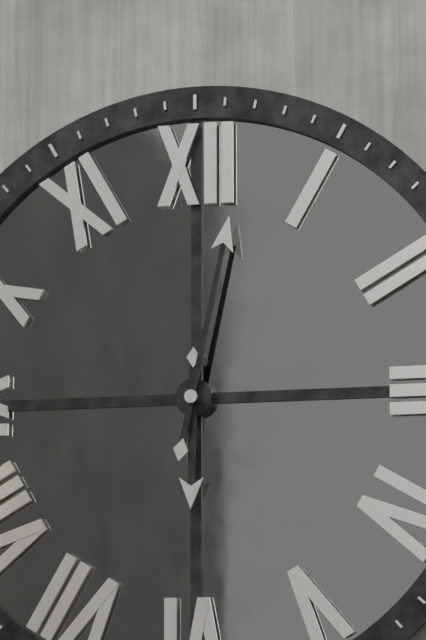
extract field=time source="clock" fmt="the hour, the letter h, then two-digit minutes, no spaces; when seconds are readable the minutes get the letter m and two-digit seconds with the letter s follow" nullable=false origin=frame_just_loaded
6h02
